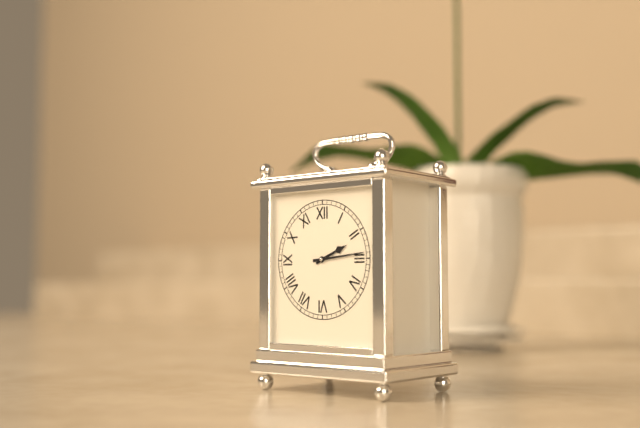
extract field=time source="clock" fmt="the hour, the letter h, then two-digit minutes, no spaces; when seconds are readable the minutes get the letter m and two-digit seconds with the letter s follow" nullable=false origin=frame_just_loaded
2h14
